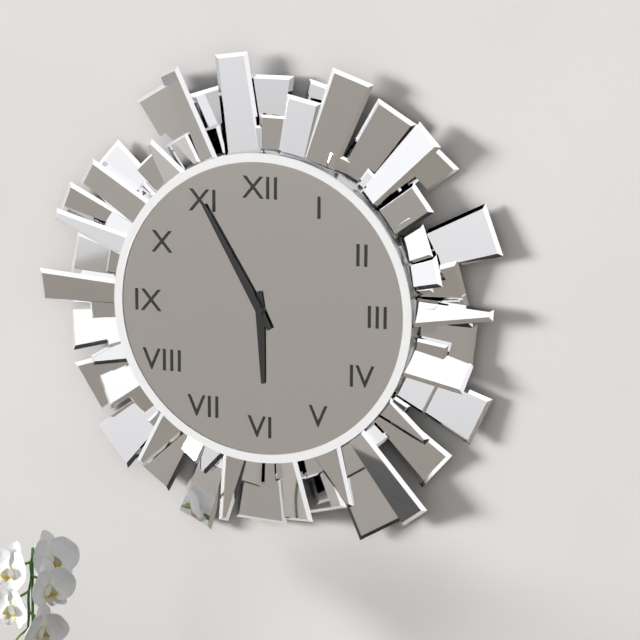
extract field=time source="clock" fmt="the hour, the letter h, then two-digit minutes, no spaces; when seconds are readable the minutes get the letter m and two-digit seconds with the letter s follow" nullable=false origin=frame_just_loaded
5h55
